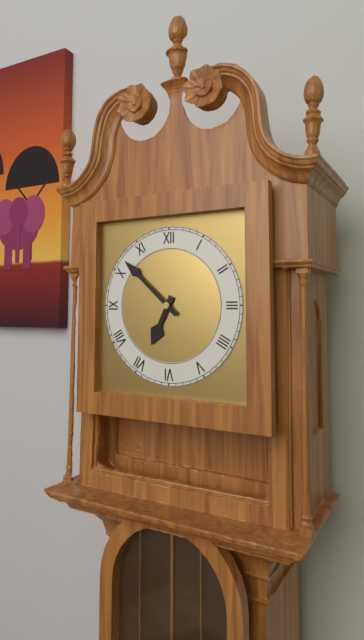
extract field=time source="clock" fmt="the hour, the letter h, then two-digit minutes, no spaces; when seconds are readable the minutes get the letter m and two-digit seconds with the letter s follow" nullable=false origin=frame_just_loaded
6h52
